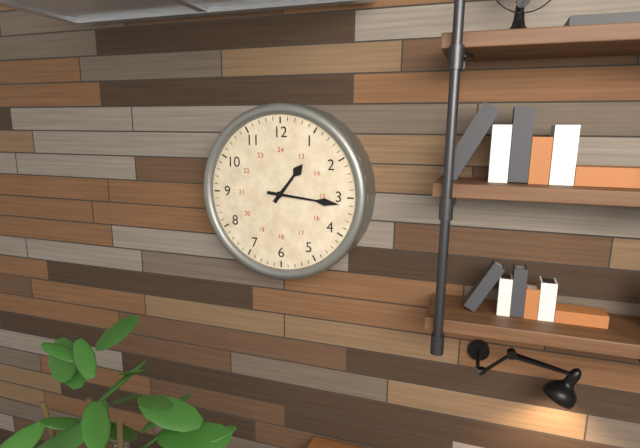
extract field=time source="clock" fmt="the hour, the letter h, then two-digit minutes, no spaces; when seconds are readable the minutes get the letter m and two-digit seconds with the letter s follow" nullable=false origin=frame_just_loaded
1h16
